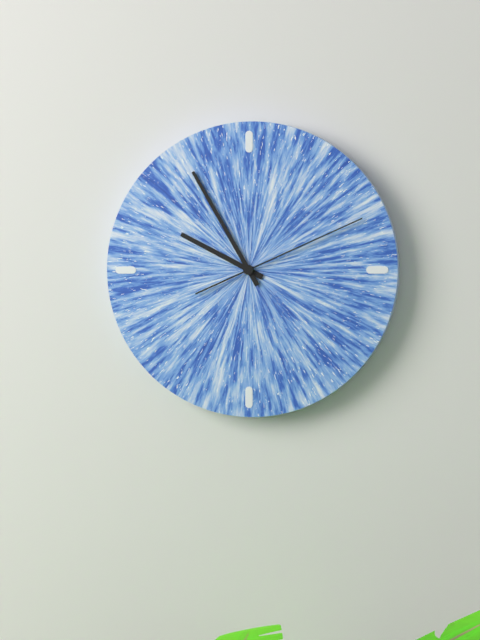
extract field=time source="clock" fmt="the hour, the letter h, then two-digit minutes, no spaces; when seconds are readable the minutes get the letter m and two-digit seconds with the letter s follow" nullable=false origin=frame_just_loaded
9h55m11s
